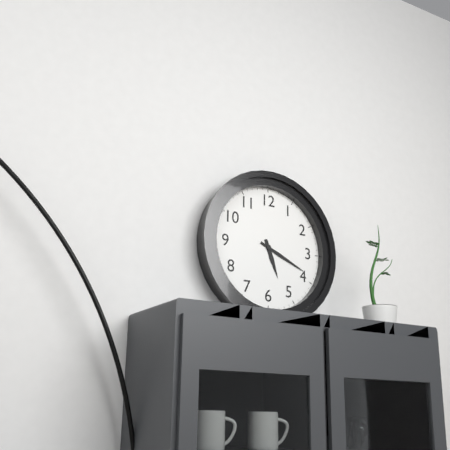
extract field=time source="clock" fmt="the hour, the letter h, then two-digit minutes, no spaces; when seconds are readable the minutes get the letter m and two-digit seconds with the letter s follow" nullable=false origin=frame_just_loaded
5h19
